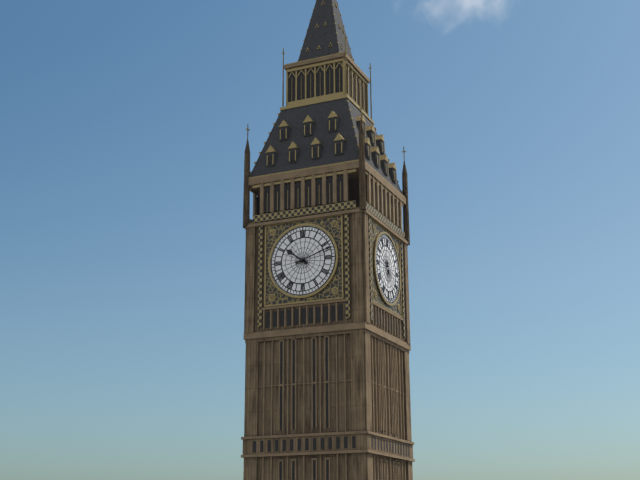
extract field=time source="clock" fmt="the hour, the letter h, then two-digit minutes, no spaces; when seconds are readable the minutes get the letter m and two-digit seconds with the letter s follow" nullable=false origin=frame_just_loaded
10h12
